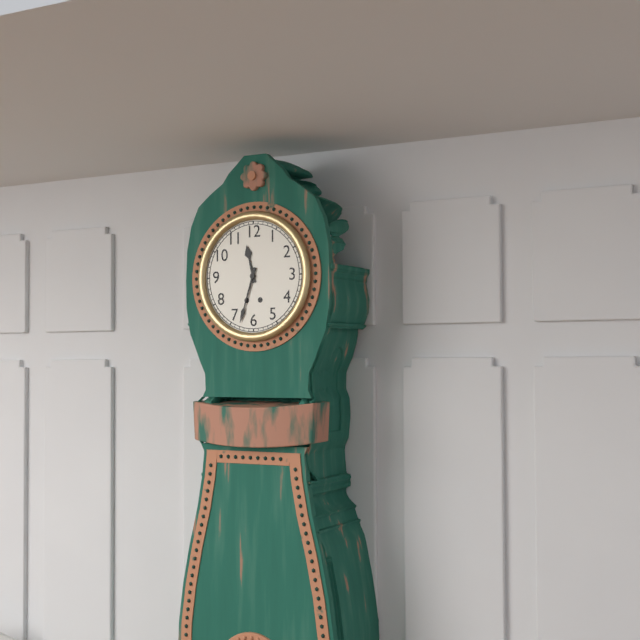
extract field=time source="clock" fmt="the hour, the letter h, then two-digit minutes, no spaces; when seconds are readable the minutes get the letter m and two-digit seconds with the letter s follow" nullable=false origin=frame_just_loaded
11h33
